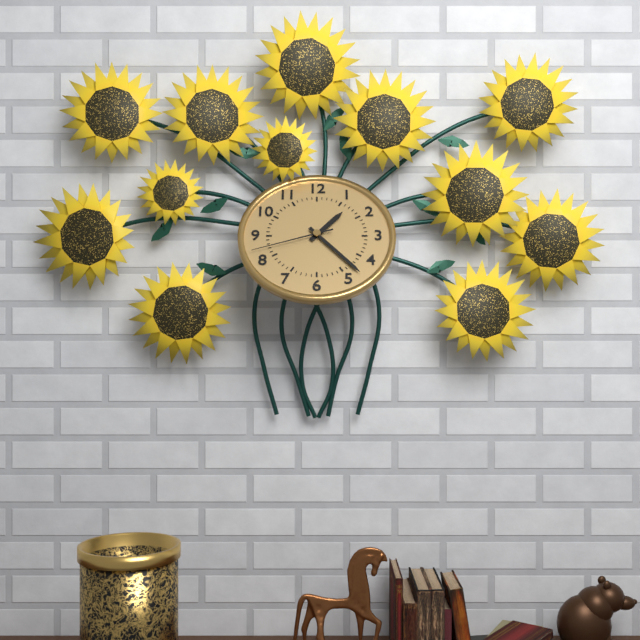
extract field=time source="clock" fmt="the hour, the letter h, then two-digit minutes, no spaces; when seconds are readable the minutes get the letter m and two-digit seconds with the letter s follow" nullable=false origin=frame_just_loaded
1h23m42s
